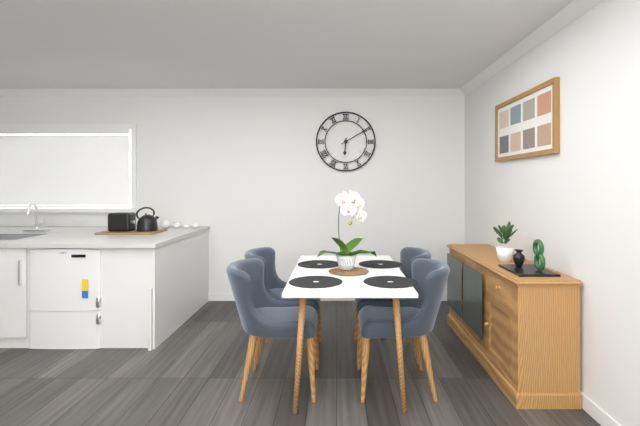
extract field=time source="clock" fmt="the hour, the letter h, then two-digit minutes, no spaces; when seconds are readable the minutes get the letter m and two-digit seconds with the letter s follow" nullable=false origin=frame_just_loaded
6h10
